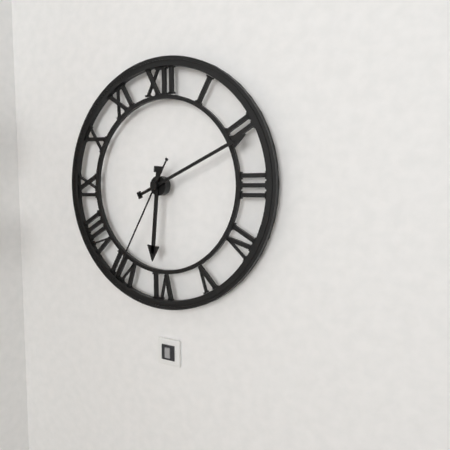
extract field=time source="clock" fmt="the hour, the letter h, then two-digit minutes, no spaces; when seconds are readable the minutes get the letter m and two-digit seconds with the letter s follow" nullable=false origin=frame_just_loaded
6h11m35s
